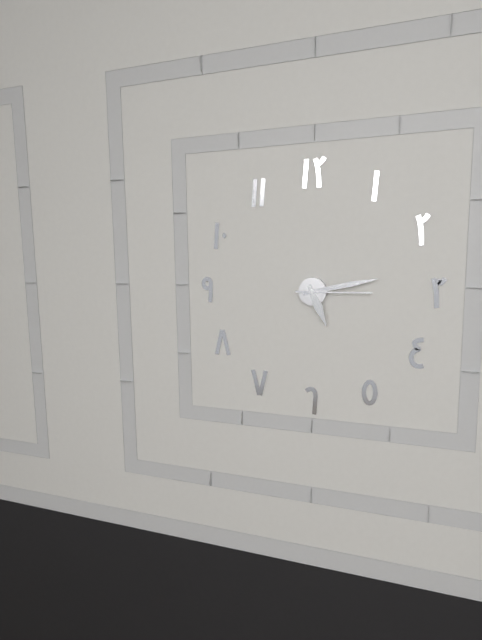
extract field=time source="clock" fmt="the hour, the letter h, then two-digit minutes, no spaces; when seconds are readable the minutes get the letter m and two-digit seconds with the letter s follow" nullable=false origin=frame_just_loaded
5h13m15s
